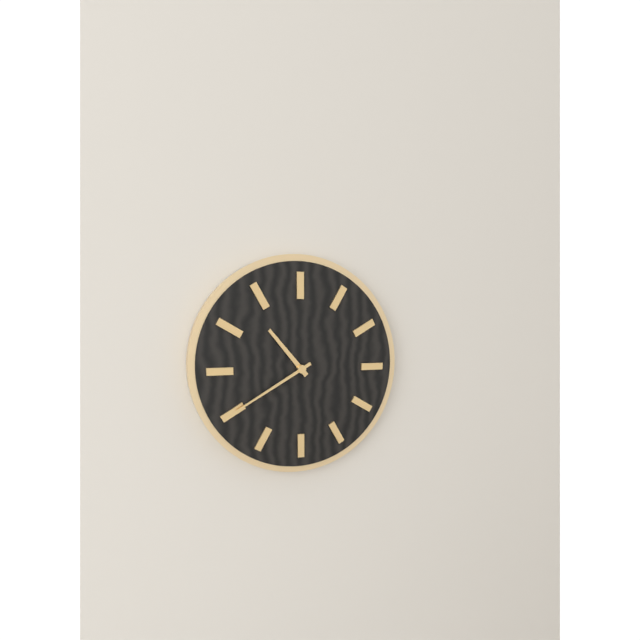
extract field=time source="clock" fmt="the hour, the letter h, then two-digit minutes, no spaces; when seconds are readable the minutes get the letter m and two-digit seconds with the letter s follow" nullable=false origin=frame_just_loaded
10h40
